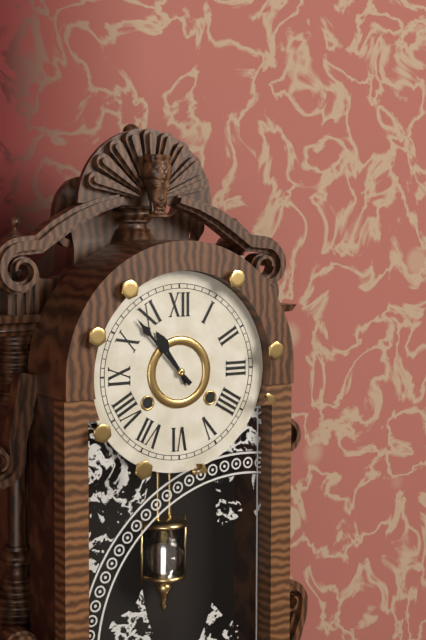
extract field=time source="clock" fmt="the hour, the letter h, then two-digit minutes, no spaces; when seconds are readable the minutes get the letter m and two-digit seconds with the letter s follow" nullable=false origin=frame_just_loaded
10h53
